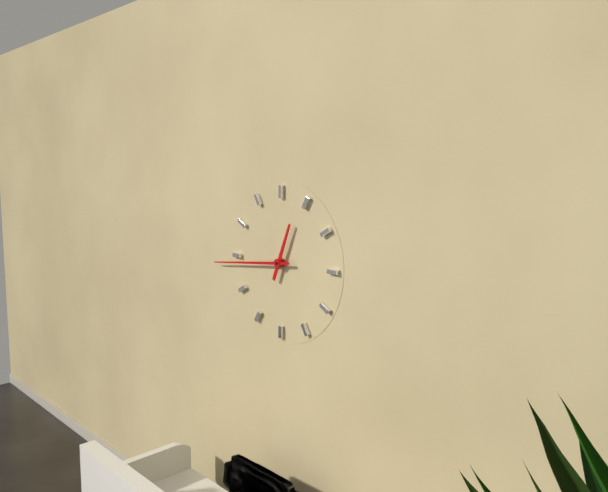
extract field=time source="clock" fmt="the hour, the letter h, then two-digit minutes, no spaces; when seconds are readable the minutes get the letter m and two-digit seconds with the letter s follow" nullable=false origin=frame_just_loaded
12h44
